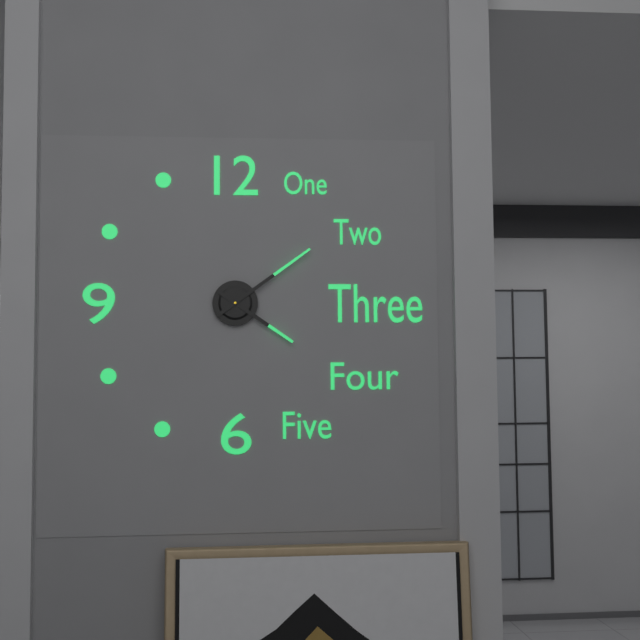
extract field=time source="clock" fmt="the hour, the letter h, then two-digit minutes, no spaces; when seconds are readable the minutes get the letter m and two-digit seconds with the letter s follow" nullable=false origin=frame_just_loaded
4h09
